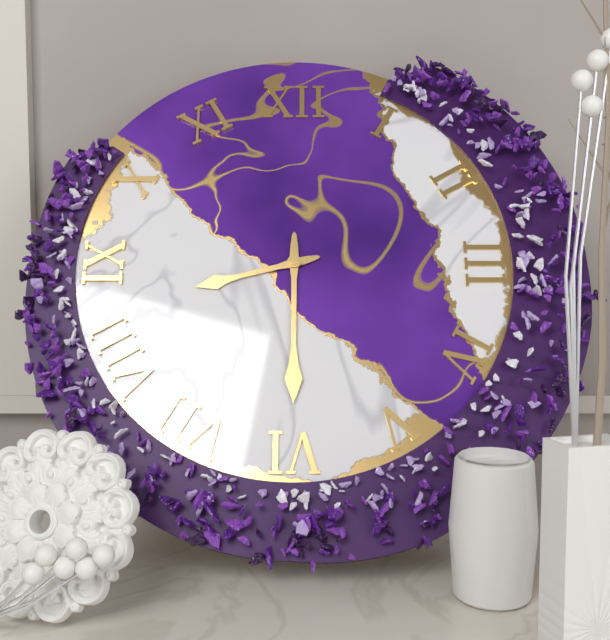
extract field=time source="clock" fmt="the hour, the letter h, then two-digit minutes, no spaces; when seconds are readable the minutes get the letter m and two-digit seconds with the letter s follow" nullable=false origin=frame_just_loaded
8h30
